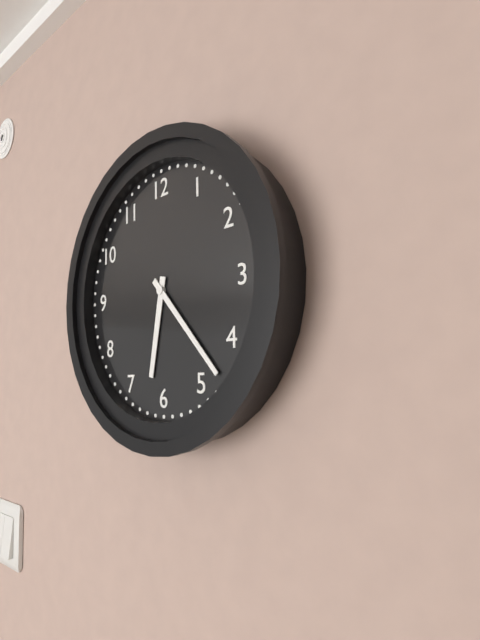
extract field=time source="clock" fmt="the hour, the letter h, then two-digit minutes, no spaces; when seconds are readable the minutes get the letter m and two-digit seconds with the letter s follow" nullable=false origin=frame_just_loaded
6h23
